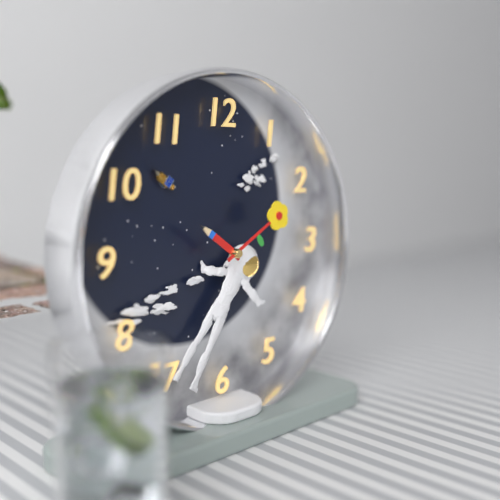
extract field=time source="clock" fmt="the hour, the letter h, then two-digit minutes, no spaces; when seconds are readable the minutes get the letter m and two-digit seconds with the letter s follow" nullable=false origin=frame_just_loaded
10h10
